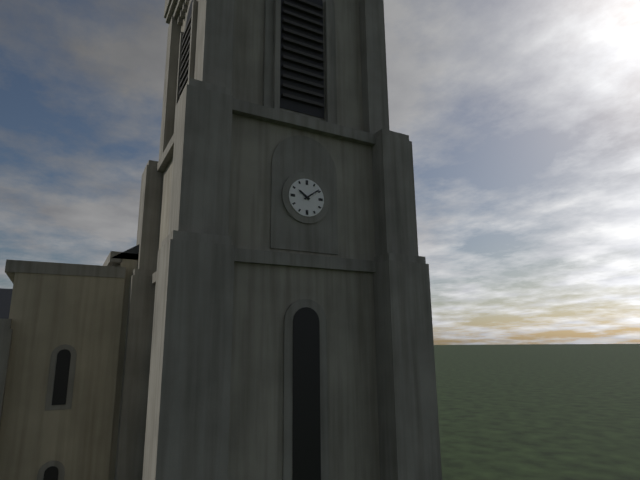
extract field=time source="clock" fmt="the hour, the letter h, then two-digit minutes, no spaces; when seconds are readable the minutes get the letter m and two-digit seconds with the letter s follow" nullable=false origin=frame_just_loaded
10h09
